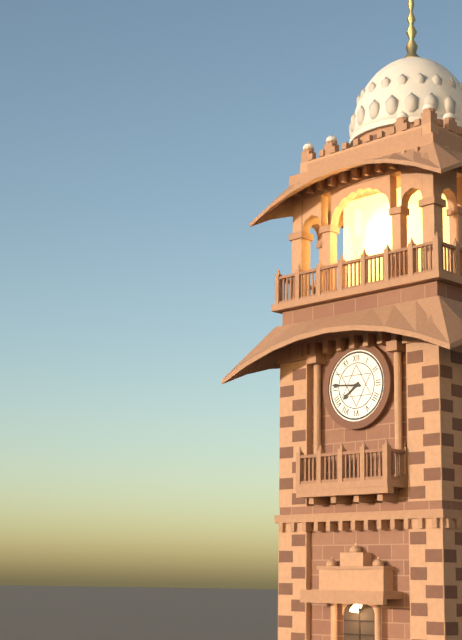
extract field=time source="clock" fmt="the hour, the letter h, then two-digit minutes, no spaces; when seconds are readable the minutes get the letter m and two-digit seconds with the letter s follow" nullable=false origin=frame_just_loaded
7h46
